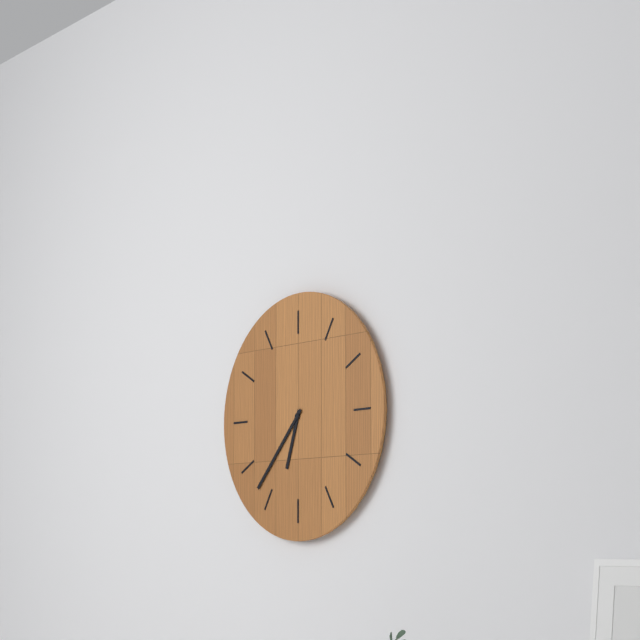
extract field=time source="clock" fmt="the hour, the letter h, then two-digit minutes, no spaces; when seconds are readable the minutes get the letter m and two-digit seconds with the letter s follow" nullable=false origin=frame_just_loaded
6h37
